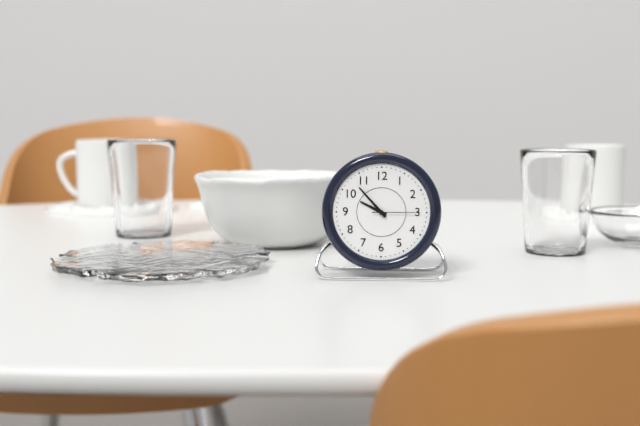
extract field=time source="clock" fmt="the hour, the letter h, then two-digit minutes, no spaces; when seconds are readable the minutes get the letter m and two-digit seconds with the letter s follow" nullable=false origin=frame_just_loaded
9h53
